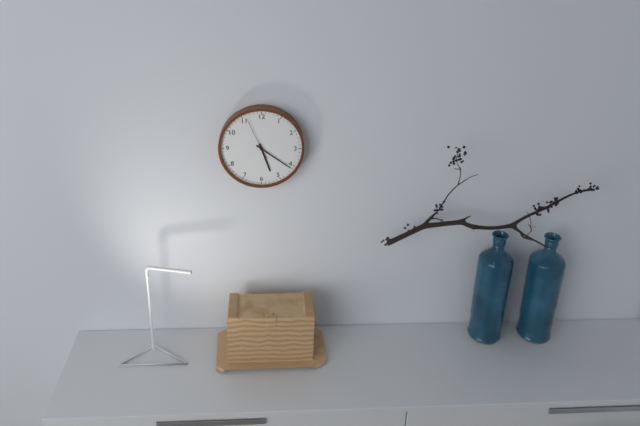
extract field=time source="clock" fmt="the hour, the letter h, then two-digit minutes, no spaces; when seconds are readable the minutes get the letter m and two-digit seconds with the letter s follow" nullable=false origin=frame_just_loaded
5h21
